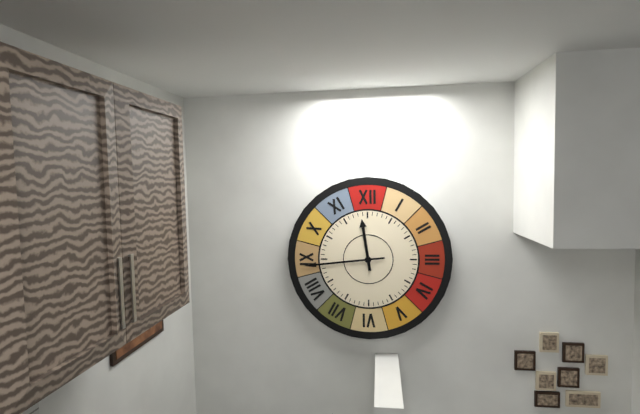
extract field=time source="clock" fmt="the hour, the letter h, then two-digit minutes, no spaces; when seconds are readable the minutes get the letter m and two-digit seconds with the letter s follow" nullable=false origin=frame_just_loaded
11h44
